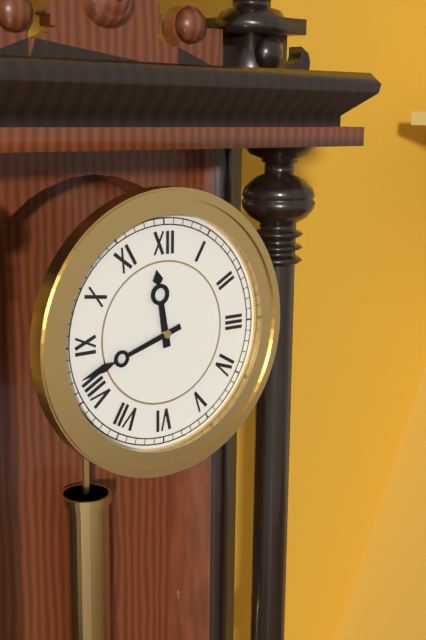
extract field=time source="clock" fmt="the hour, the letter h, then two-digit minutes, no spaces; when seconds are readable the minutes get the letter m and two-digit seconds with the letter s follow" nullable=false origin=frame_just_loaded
11h42
